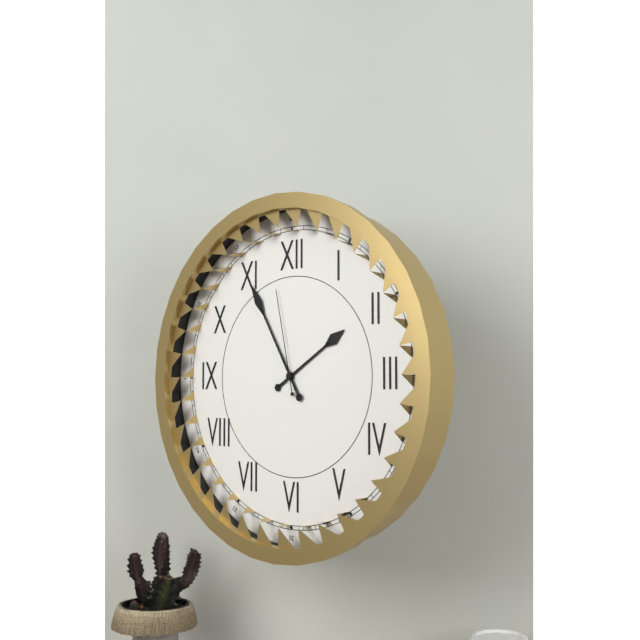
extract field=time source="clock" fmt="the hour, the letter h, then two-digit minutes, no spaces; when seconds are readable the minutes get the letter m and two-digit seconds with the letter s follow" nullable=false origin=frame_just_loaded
1h55m58s
